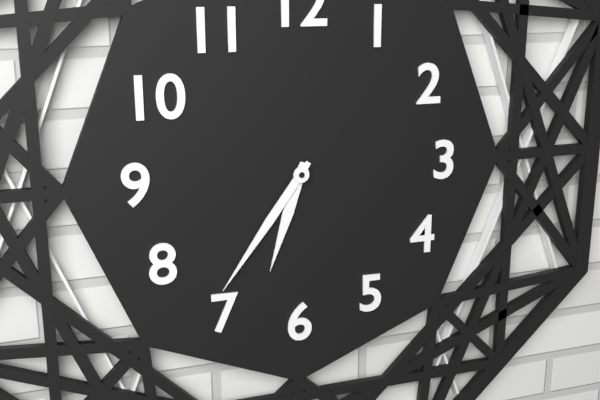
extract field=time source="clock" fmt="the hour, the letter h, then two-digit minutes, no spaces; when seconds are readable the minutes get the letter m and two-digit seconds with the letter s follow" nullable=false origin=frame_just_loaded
6h36
